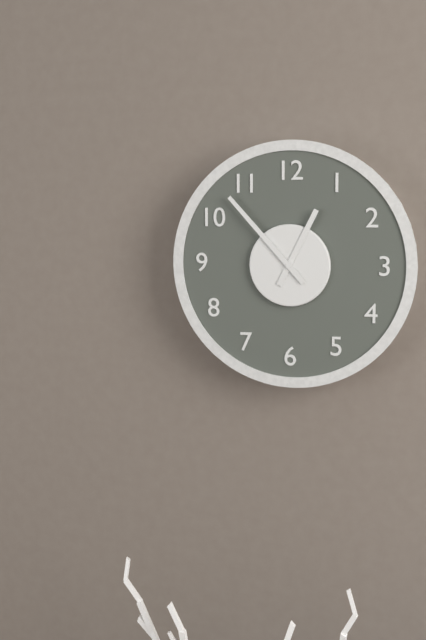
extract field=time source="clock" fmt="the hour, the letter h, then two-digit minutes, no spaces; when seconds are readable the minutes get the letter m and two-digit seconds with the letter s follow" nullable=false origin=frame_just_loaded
12h53
